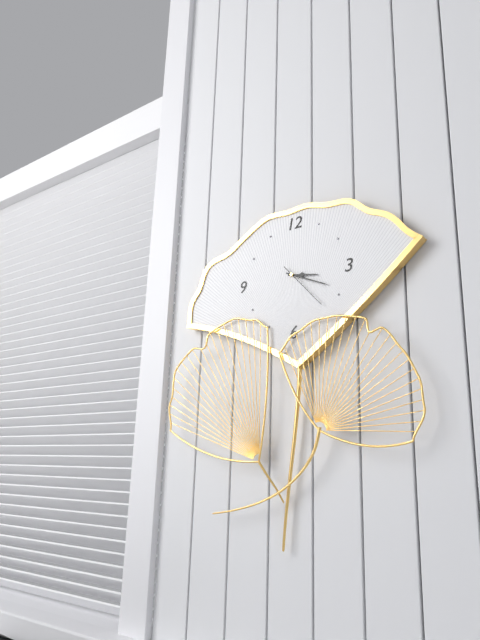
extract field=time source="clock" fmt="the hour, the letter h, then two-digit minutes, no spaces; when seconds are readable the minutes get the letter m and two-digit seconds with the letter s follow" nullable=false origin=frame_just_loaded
3h19m23s
